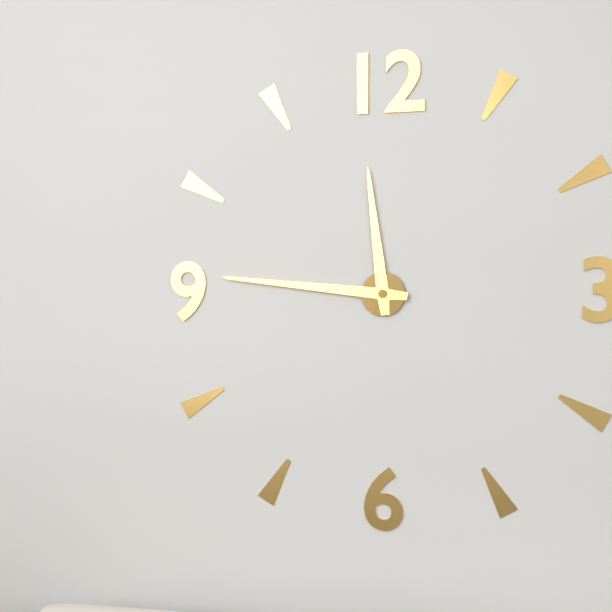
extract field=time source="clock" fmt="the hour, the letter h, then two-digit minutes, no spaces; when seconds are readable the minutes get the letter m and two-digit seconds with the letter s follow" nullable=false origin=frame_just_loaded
11h46
